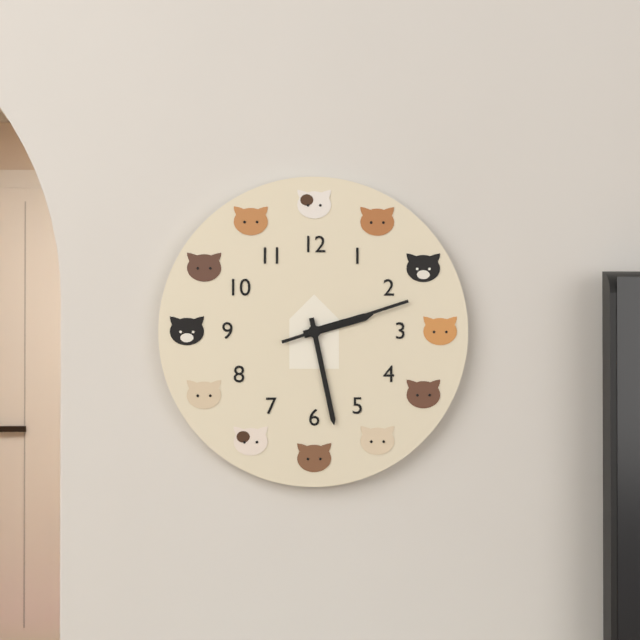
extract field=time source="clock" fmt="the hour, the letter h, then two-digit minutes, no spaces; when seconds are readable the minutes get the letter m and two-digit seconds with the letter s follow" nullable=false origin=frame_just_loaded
2h28m12s
